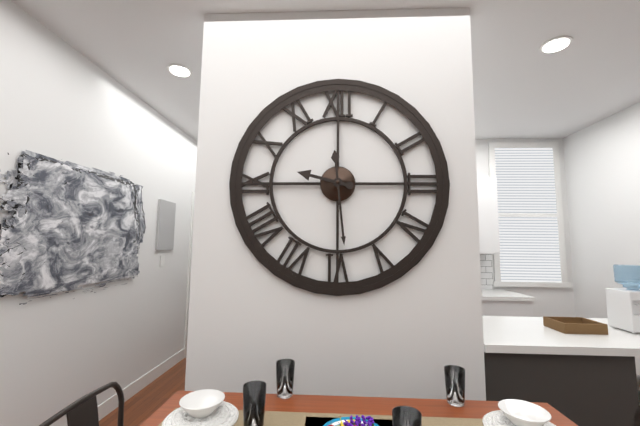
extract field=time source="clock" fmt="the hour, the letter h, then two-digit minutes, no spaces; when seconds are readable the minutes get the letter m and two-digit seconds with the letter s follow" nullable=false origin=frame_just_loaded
9h29
